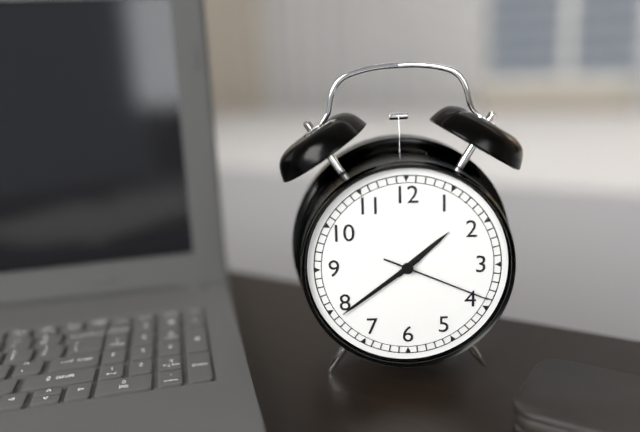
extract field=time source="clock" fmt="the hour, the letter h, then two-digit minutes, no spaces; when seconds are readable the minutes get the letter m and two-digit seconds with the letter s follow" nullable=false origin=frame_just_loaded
1h39m19s
